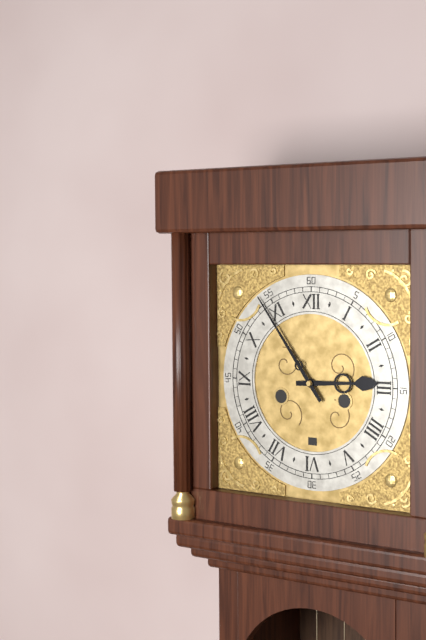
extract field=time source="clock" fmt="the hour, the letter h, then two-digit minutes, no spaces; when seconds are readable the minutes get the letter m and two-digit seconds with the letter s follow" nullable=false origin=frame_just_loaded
2h54
